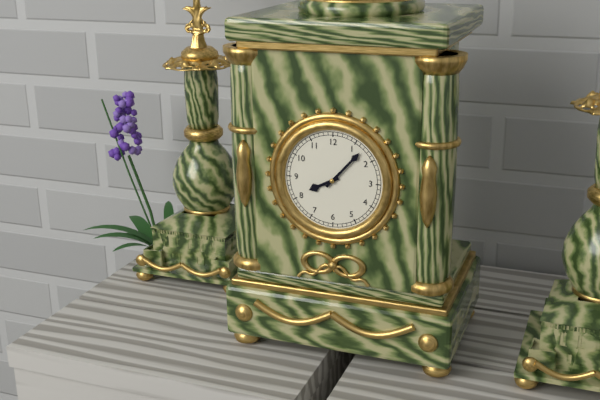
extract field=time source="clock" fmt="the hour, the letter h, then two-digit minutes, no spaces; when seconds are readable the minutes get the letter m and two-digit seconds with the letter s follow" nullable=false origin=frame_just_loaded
8h07
